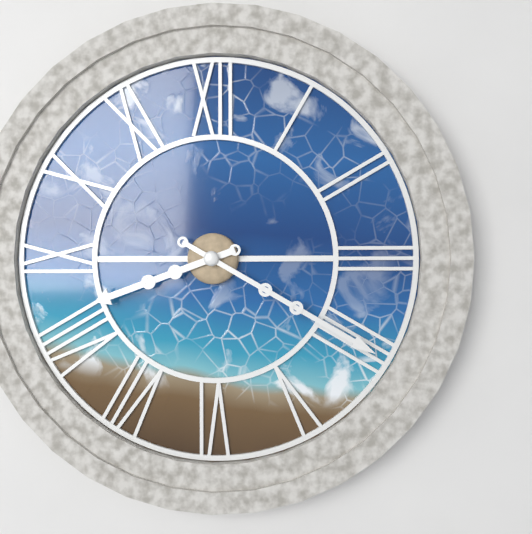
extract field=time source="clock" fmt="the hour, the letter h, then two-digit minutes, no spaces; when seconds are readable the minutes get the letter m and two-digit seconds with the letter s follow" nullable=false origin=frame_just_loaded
8h20
